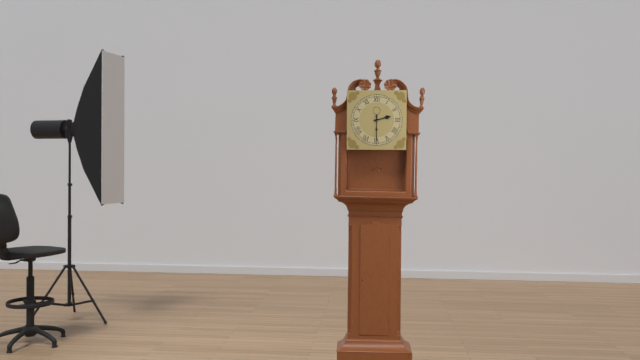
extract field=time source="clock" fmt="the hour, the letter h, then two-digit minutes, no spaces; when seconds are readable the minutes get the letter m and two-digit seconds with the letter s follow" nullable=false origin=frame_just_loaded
2h30
